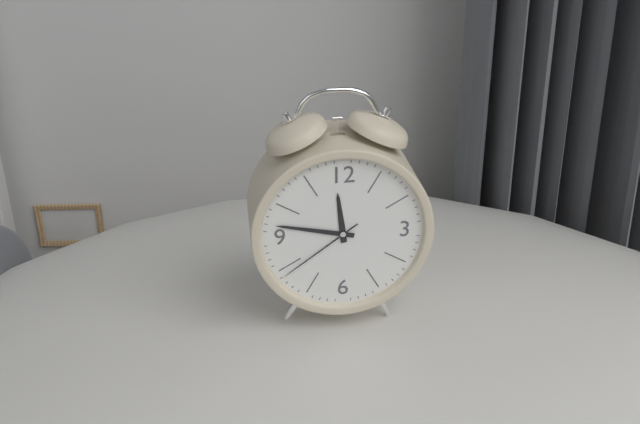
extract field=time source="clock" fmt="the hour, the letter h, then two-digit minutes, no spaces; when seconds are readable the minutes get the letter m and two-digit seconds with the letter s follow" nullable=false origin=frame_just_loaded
11h47m39s
